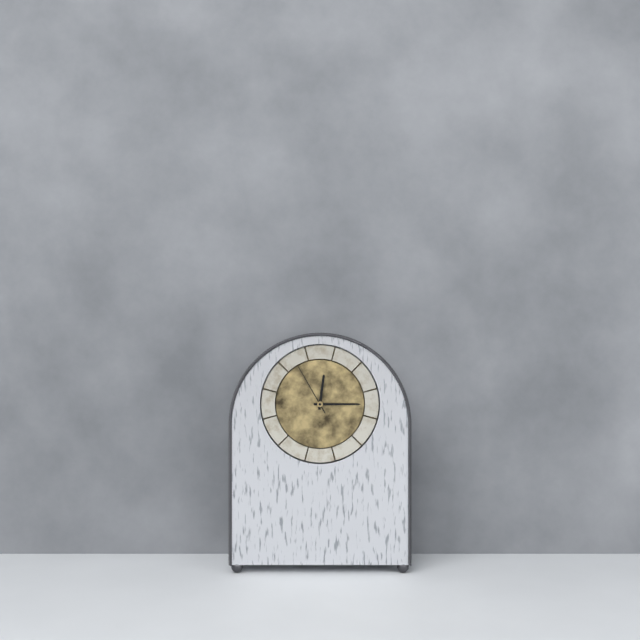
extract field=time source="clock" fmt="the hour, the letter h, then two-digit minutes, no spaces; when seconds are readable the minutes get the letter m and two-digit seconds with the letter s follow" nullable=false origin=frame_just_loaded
12h15m55s
